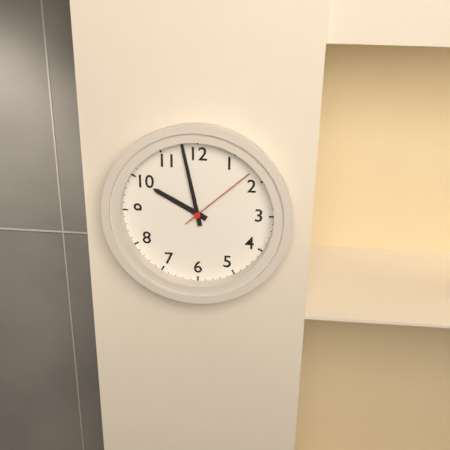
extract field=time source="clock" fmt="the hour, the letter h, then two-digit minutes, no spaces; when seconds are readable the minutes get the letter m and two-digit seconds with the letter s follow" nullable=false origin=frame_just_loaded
9h58m08s
